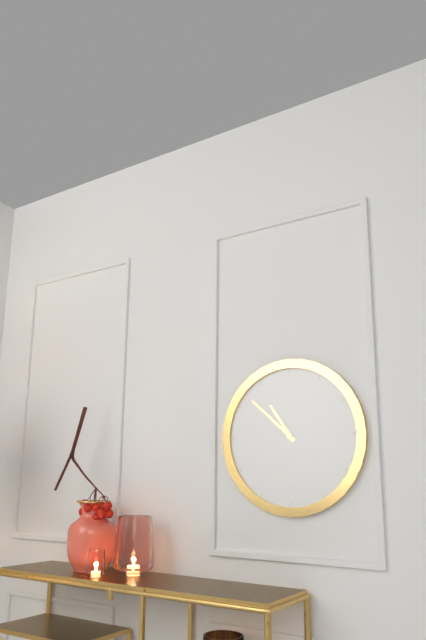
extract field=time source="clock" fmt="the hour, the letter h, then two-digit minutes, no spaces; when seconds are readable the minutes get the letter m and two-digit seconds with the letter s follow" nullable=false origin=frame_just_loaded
10h52
